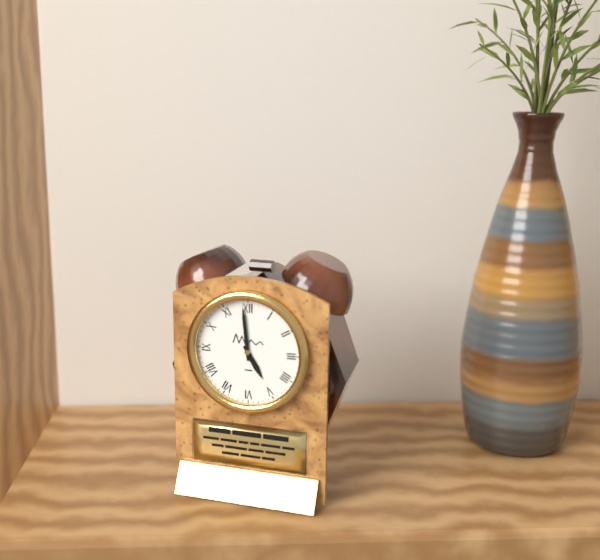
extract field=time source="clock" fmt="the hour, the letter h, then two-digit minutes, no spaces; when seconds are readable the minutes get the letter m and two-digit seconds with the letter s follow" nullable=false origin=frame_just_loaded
4h59
